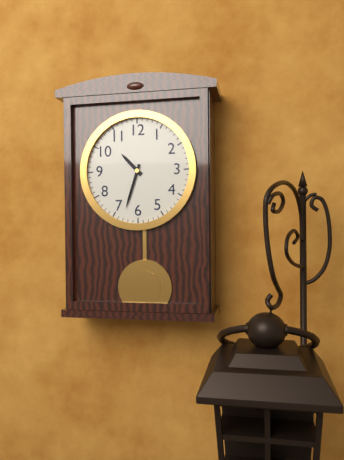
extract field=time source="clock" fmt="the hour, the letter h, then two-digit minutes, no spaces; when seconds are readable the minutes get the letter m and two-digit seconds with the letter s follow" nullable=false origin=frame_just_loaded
10h33
